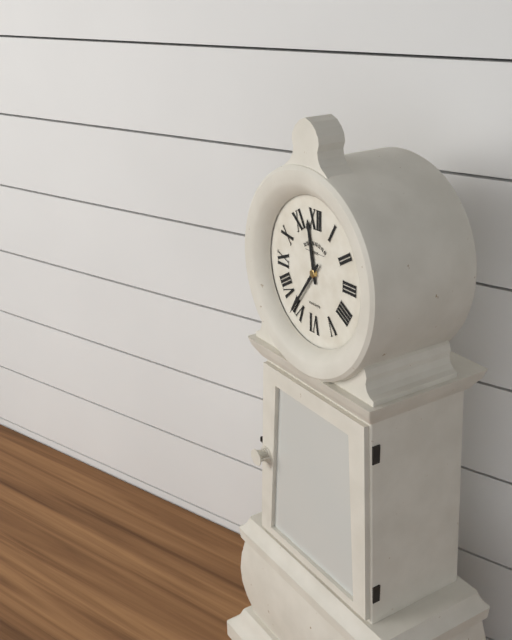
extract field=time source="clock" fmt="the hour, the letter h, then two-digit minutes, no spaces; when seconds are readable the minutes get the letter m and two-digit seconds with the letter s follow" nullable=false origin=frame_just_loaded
11h36
